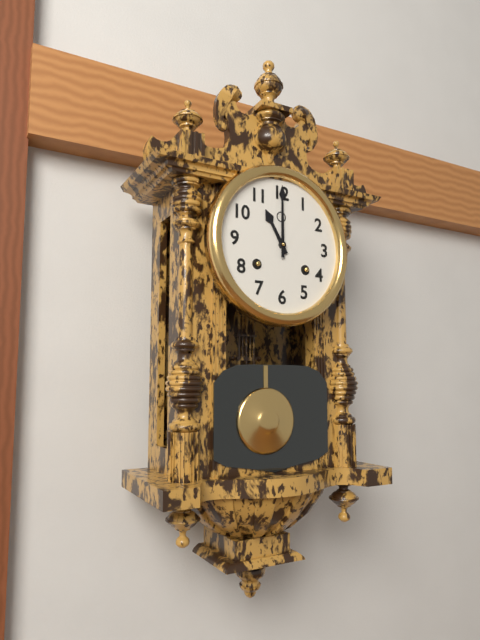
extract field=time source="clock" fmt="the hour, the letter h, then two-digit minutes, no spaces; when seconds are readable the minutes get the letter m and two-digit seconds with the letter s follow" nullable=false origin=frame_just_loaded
11h00
